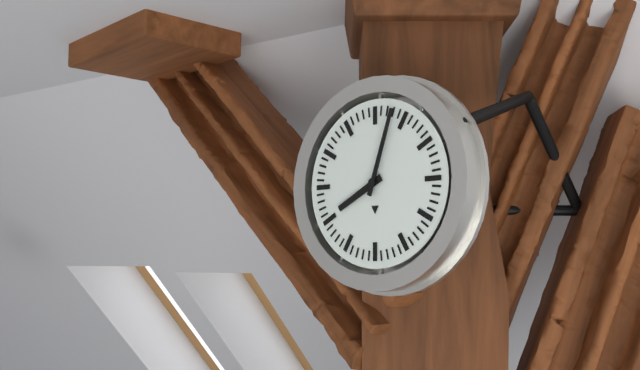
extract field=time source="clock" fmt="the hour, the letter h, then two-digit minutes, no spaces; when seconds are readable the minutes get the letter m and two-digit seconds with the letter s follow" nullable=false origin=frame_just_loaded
8h03
